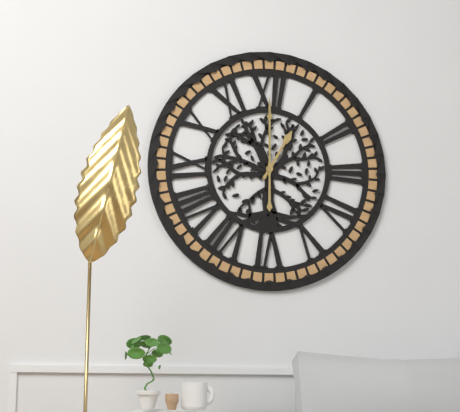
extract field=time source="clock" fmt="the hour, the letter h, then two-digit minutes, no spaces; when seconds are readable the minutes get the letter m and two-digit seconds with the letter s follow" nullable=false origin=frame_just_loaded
1h00
